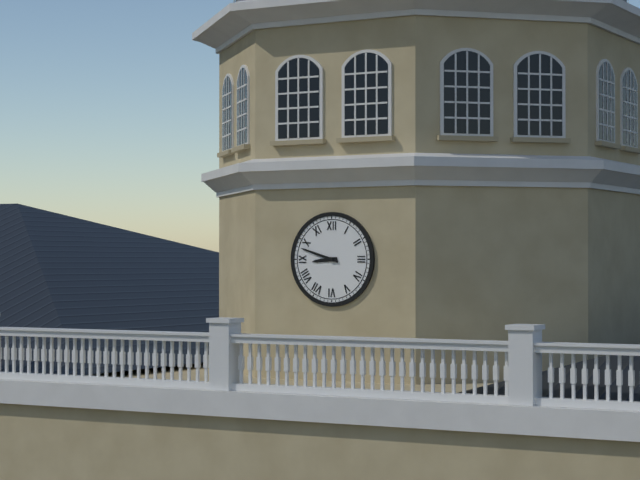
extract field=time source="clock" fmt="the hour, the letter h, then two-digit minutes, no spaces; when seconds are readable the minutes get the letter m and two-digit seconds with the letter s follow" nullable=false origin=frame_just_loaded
8h48
